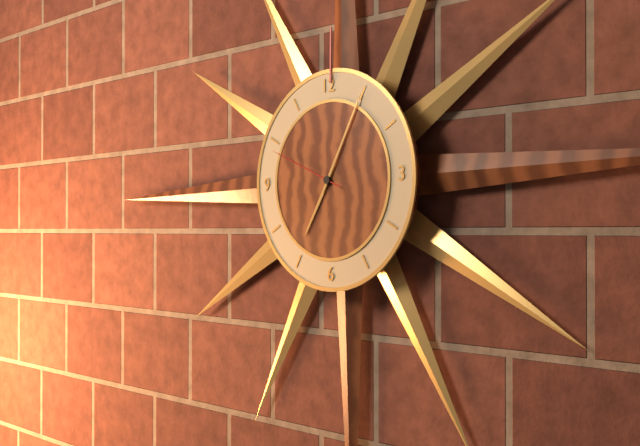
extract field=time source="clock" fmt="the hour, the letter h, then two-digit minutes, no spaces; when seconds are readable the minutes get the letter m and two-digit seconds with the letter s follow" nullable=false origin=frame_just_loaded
7h05m49s
